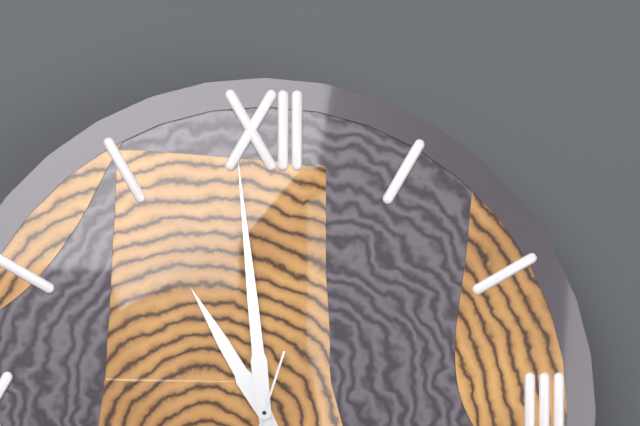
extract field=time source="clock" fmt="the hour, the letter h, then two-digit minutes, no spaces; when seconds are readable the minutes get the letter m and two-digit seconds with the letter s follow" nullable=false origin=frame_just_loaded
10h59
